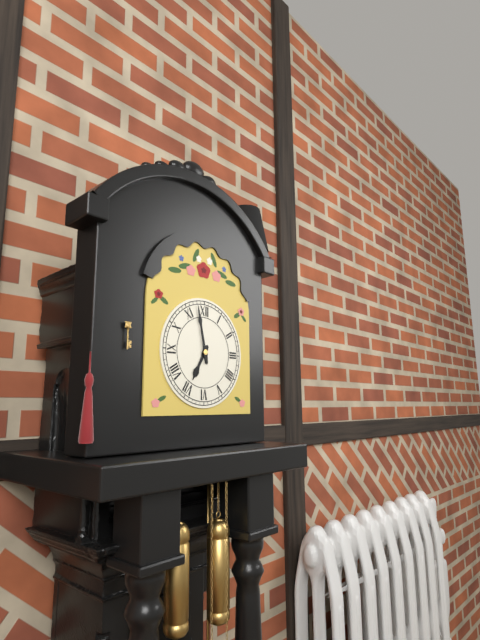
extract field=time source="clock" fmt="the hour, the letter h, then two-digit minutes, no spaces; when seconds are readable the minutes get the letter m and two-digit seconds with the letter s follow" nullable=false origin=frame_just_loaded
6h58
